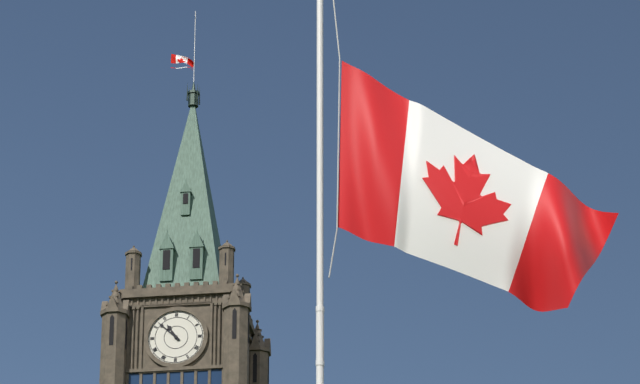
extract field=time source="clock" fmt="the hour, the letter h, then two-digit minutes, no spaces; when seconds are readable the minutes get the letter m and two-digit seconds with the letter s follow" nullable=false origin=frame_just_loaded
10h52
